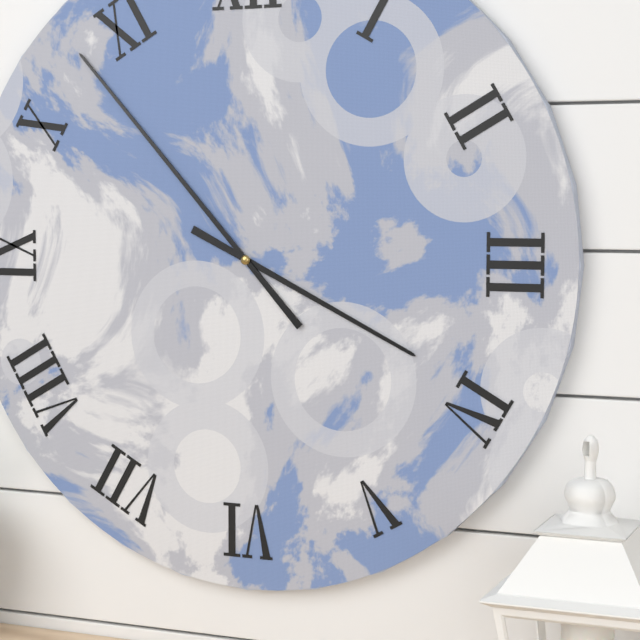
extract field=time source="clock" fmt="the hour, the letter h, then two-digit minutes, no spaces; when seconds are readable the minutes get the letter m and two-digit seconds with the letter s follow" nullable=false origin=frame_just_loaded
3h53
